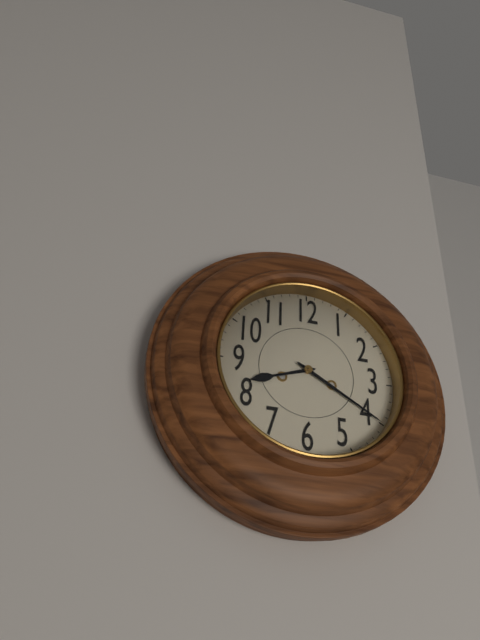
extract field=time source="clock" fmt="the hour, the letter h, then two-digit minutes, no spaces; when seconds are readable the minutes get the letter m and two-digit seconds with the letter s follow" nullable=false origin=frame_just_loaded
8h20
